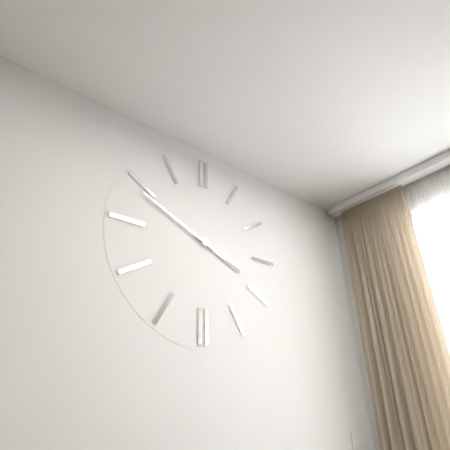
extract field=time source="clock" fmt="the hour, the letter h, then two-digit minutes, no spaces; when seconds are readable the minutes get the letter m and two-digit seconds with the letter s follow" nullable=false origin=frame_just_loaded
3h49
